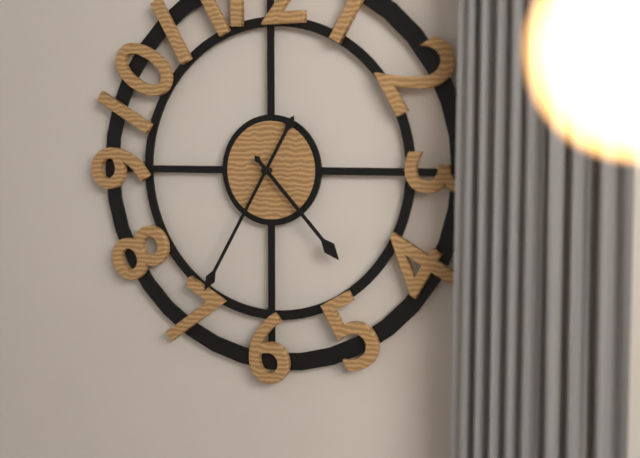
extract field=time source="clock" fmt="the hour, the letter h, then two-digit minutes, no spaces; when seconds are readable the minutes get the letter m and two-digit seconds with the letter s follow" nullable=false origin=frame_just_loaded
4h35
